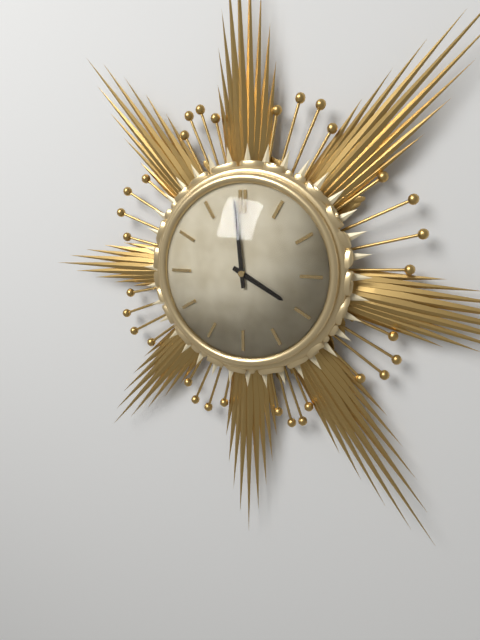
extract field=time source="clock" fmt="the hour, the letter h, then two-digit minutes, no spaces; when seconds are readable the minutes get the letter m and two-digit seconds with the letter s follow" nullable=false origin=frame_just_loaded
3h59
